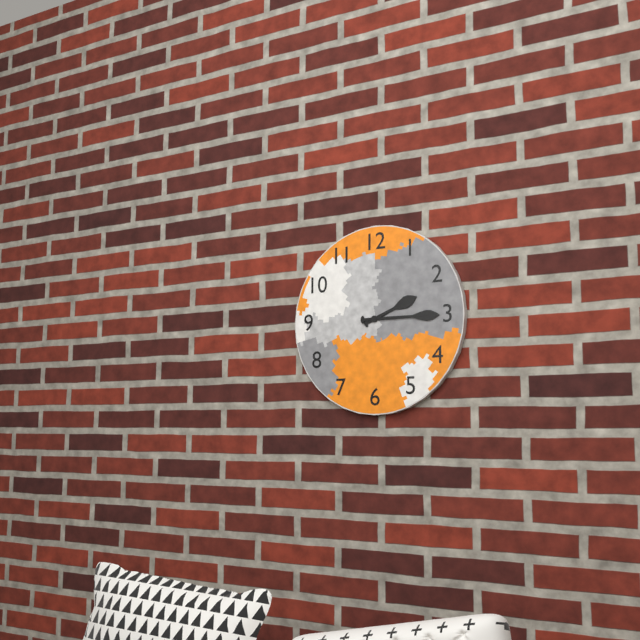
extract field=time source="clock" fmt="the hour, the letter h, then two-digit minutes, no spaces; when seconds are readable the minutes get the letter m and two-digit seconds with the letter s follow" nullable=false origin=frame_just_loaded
2h15
